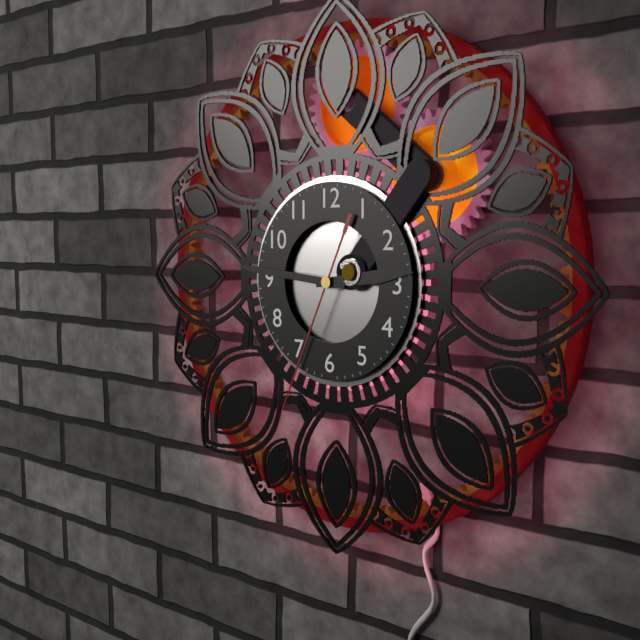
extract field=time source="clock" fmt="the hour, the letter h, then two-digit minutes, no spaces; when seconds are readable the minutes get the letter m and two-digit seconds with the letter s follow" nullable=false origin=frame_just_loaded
2h46m34s
